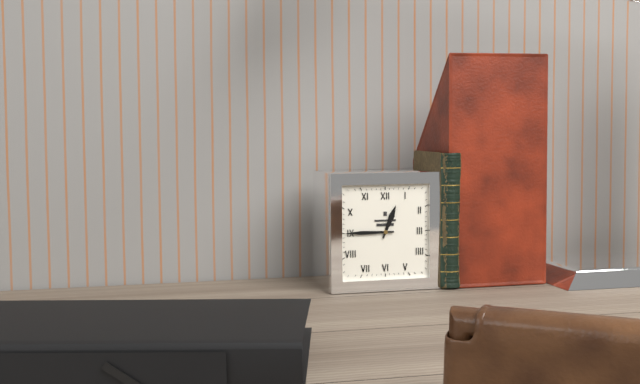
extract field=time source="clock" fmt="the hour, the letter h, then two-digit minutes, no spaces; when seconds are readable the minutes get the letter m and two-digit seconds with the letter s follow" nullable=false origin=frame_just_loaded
12h45
